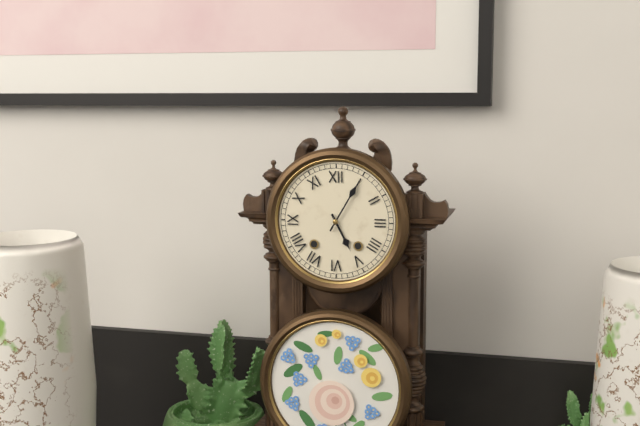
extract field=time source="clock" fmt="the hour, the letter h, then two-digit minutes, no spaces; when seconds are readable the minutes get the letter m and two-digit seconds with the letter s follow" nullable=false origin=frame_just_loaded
5h05
